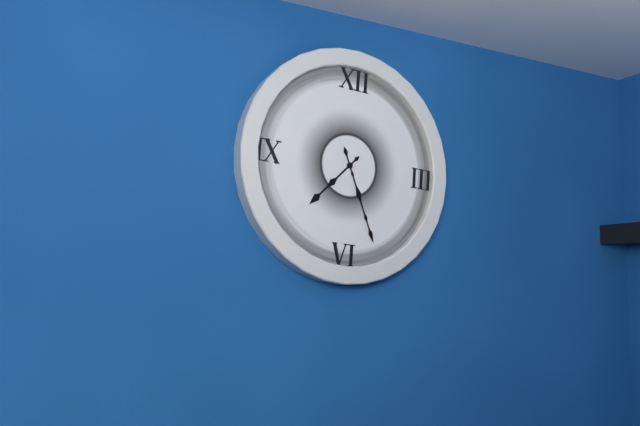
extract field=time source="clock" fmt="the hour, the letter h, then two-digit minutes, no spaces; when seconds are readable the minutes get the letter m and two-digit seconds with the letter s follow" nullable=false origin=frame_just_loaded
7h26
